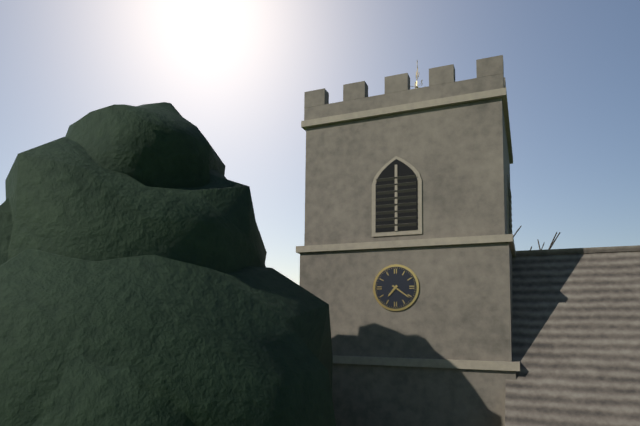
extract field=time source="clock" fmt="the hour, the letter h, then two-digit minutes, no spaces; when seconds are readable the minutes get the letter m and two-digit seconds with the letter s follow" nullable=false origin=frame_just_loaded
7h21
